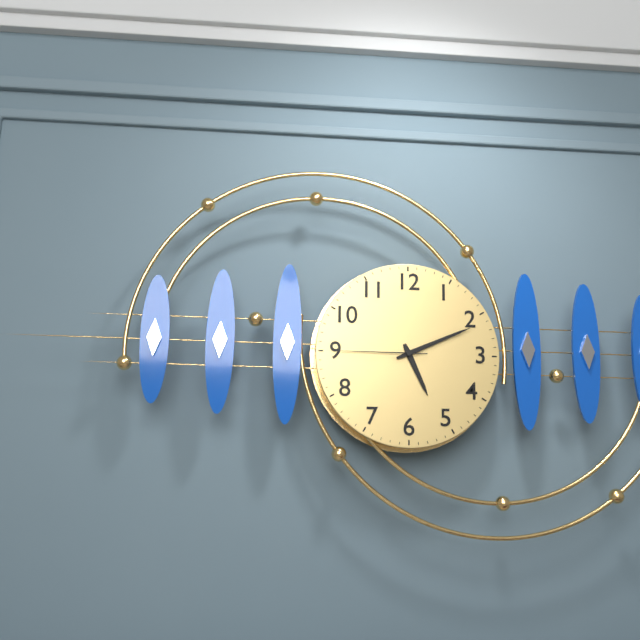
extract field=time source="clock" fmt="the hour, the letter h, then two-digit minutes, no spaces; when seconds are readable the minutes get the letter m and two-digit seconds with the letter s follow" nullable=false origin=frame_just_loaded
5h11m45s
